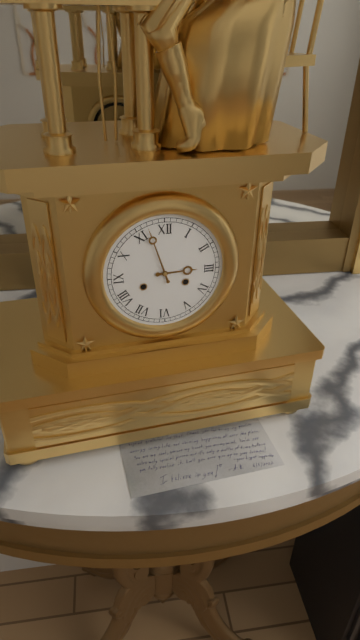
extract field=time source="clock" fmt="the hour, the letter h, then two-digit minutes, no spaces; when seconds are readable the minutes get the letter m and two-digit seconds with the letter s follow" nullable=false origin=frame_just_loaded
2h57
